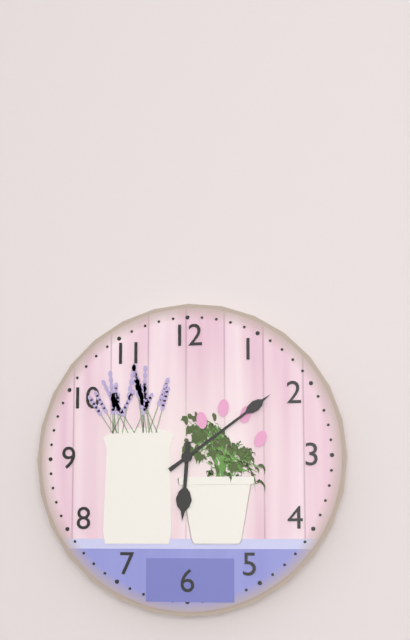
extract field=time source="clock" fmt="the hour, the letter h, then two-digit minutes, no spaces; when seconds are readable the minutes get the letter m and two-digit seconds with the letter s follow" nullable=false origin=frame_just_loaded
6h09
